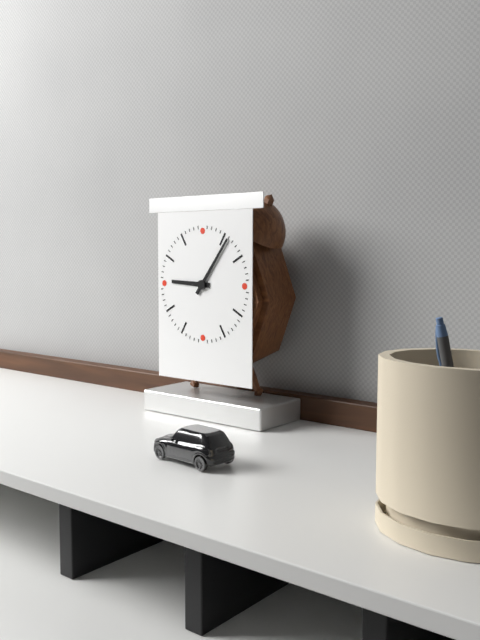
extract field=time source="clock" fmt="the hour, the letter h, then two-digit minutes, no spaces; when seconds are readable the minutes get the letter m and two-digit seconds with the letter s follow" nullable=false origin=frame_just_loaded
9h06
